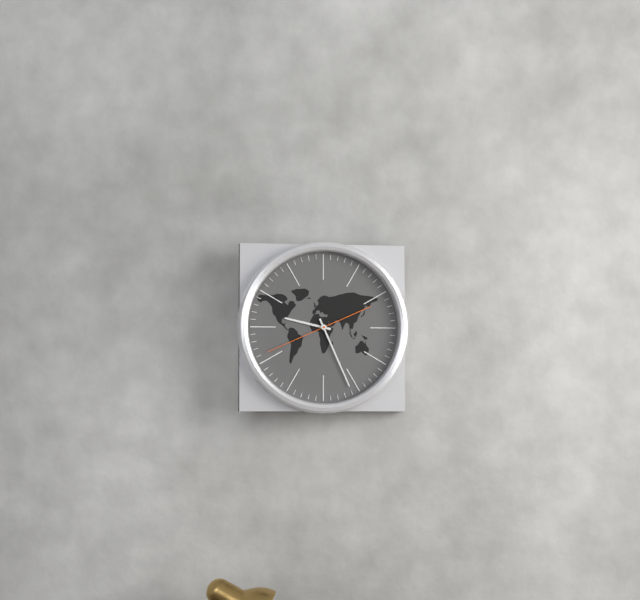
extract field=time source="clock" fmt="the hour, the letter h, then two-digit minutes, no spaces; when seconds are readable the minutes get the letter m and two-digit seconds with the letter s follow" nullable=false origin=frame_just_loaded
9h26m41s
